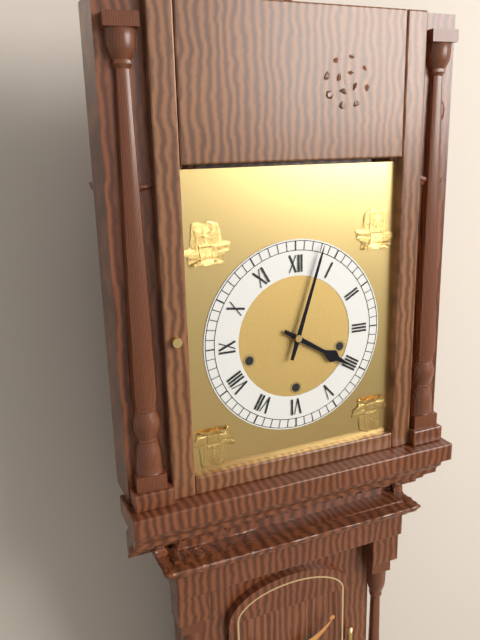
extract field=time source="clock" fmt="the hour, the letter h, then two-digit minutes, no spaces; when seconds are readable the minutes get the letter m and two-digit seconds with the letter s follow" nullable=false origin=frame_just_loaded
4h03
